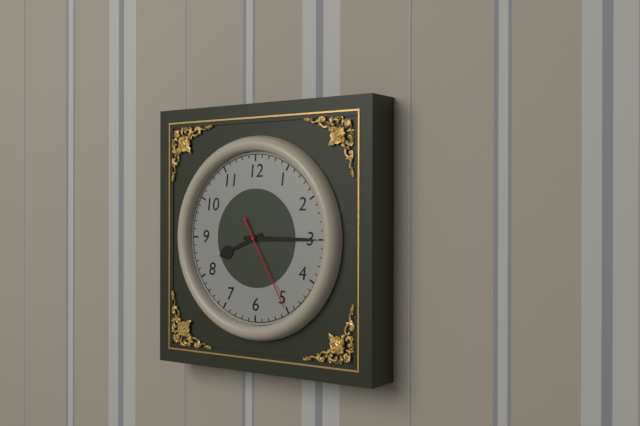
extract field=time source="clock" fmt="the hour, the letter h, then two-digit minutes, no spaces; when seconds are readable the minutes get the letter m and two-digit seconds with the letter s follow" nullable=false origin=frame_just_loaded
8h15m25s
